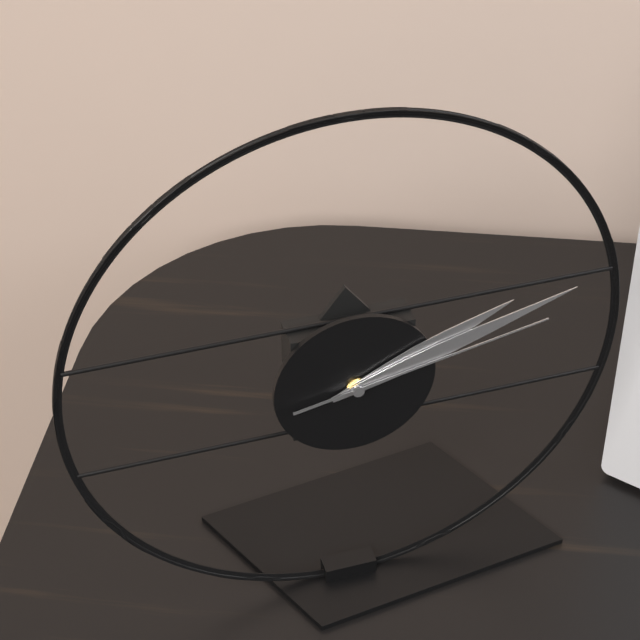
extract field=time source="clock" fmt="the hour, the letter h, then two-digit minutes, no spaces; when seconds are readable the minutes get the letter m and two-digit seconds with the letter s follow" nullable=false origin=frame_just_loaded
2h12m13s
